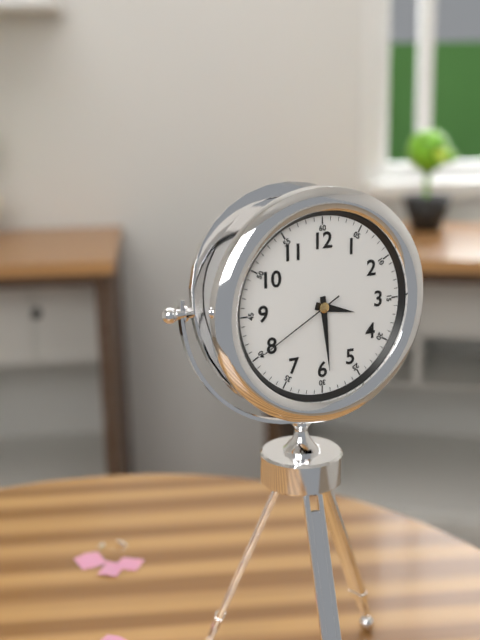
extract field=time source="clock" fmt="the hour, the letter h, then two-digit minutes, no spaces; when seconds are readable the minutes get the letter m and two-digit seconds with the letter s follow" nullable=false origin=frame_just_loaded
3h29m40s
